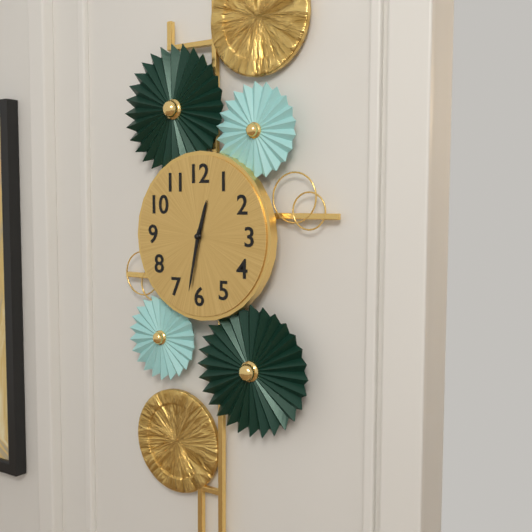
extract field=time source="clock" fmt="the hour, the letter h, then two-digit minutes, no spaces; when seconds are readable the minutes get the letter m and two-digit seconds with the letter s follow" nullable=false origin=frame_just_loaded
12h32
